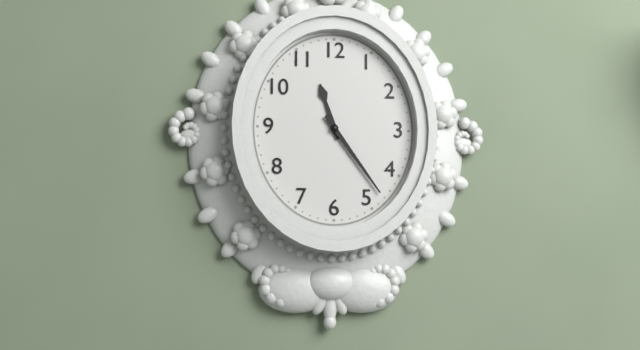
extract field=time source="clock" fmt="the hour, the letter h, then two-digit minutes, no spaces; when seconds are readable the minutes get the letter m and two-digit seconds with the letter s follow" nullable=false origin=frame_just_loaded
11h24
